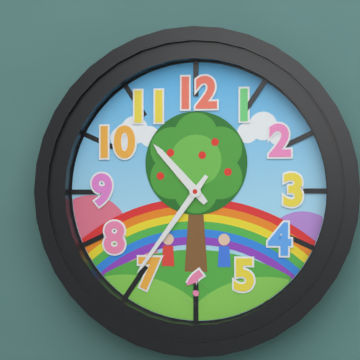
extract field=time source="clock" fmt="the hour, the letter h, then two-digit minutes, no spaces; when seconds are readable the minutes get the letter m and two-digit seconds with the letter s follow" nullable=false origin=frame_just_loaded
10h36
